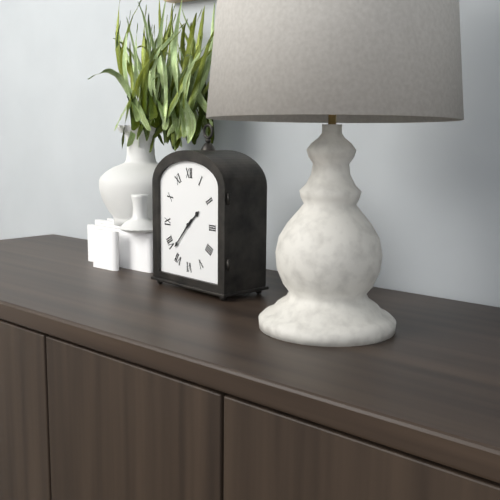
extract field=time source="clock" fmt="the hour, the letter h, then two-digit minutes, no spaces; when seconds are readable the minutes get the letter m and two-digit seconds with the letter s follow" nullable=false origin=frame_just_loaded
1h37
